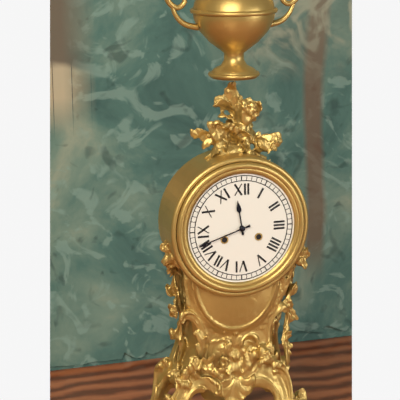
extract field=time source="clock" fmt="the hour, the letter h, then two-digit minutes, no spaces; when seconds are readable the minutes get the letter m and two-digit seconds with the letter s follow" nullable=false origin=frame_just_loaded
11h42
